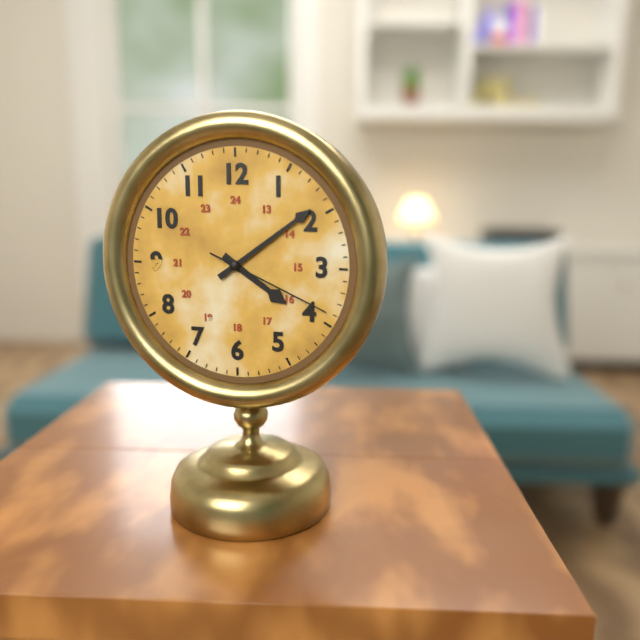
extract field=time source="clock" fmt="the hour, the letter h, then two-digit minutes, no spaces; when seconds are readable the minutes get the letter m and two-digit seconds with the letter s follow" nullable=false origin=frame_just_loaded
4h09m19s
